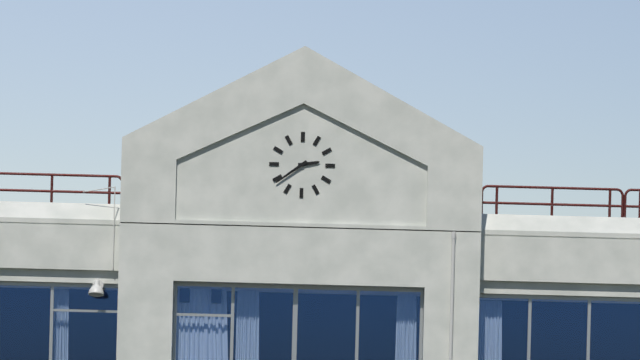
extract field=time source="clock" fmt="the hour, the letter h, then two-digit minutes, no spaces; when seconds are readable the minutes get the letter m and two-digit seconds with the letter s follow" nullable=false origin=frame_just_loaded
2h39
